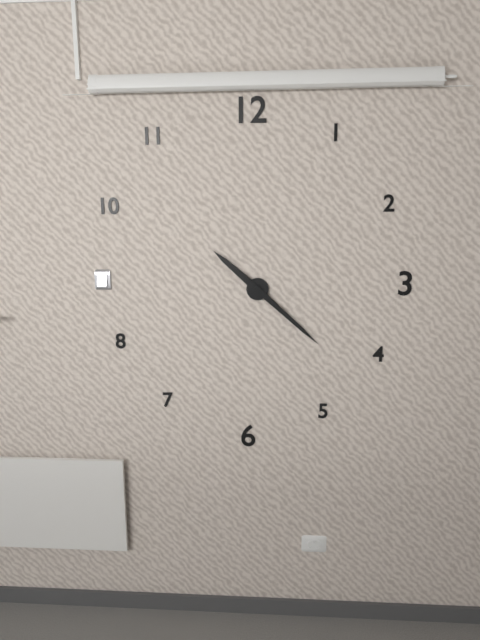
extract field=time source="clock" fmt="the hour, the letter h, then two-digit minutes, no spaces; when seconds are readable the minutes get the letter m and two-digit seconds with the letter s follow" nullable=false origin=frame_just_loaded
10h22
